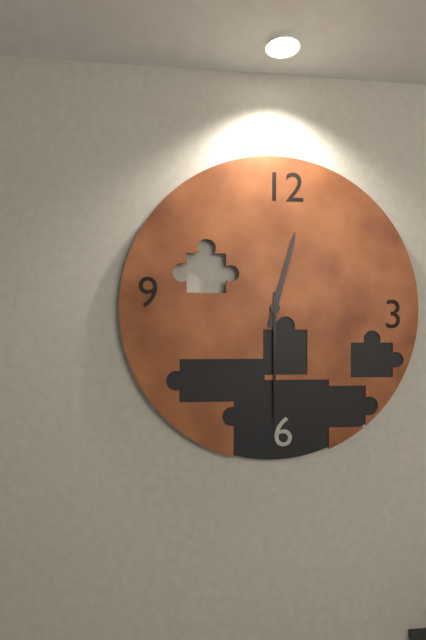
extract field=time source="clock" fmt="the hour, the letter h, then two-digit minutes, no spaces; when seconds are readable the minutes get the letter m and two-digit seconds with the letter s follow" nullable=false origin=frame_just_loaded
12h30
